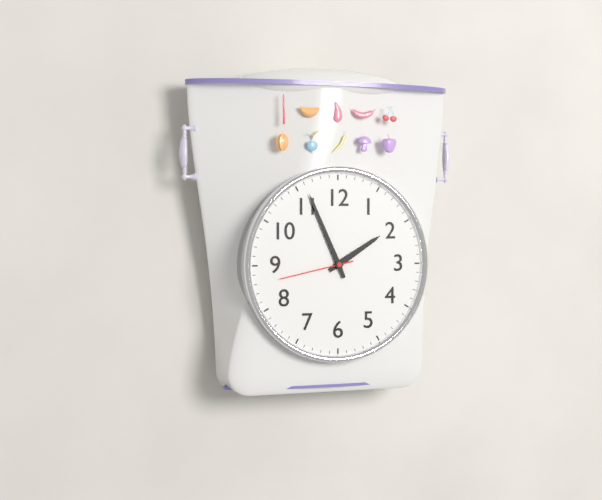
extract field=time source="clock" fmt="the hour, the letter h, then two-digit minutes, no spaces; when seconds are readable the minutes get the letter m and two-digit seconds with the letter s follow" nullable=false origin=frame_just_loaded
1h56m43s
